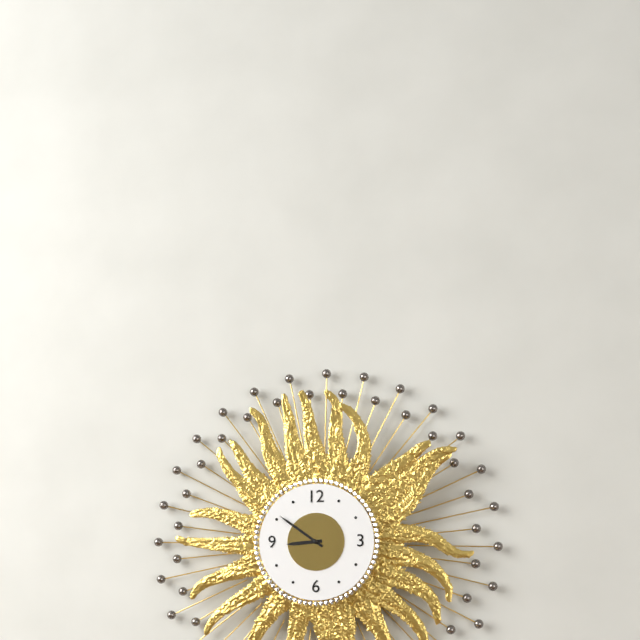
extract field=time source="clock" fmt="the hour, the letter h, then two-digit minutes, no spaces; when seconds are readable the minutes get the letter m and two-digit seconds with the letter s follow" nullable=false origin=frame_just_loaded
8h51
